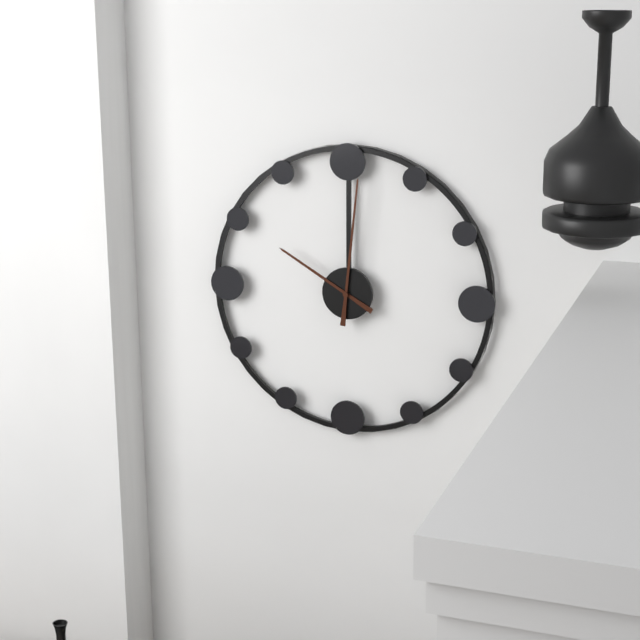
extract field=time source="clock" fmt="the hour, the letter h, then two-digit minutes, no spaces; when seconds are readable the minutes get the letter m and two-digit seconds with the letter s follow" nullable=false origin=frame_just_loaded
10h01
